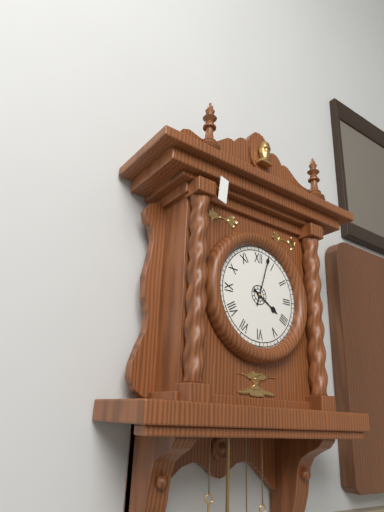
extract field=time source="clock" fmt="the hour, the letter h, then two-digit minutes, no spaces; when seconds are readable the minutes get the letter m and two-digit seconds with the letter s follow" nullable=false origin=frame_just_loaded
4h03
